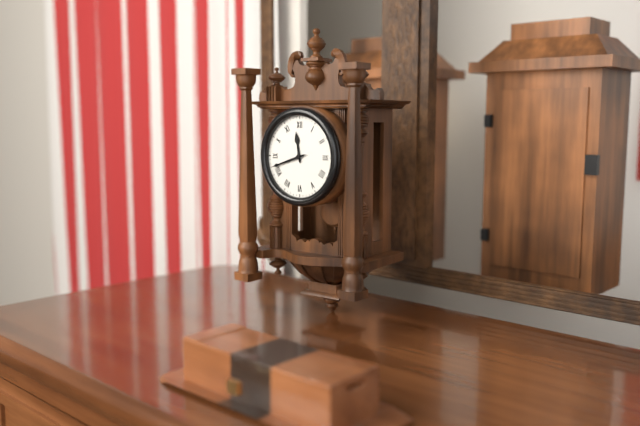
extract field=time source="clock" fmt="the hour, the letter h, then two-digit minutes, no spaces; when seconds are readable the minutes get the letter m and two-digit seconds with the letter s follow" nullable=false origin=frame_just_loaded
11h42
